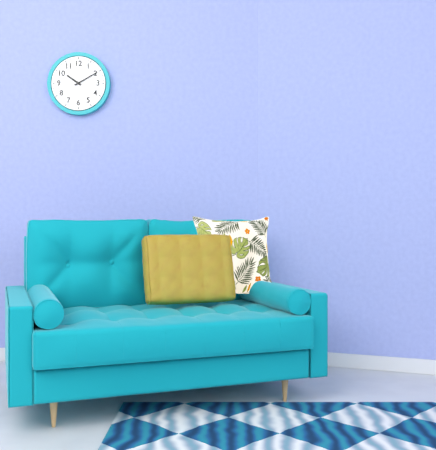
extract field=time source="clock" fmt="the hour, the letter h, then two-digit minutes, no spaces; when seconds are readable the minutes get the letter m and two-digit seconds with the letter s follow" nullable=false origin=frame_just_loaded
10h10
